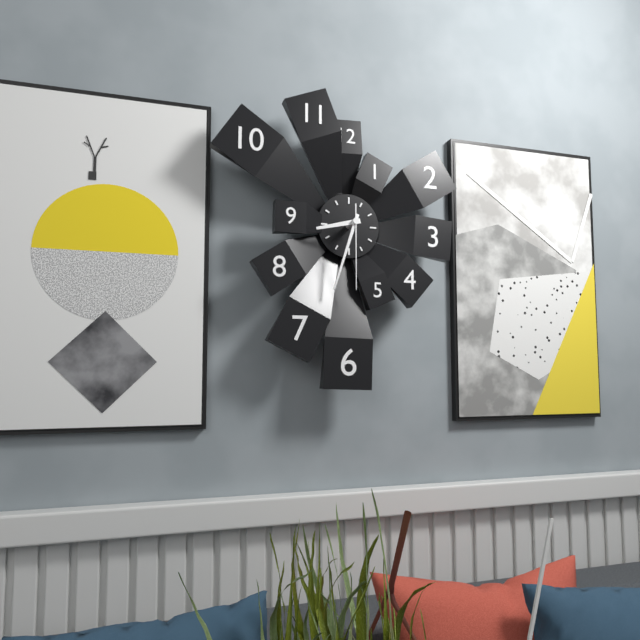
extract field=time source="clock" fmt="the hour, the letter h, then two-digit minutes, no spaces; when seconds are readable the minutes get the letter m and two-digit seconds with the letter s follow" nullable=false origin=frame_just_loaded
8h33m30s
